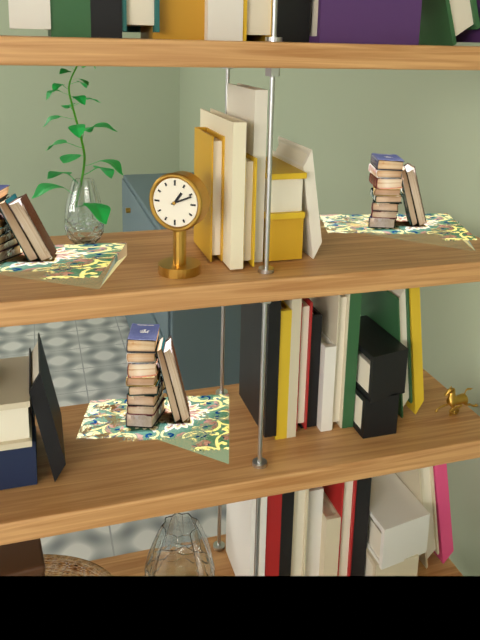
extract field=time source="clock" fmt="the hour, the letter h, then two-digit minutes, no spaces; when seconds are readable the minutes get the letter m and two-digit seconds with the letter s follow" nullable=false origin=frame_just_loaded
1h11
